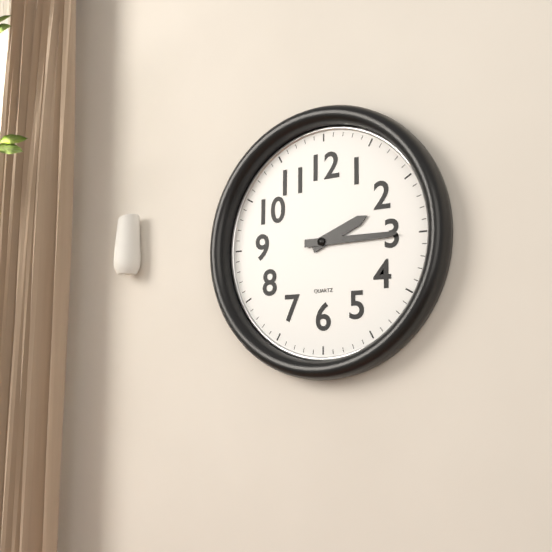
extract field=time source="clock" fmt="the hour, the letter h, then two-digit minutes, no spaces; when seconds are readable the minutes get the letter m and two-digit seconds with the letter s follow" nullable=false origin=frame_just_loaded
2h15
